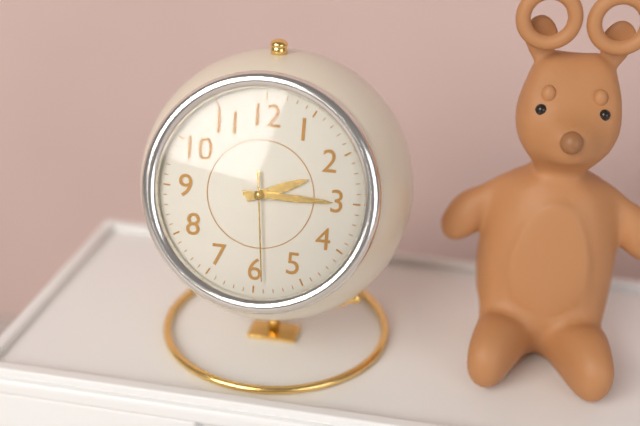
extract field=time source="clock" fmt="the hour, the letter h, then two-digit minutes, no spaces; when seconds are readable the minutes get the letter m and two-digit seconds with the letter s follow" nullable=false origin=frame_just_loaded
2h15m29s
